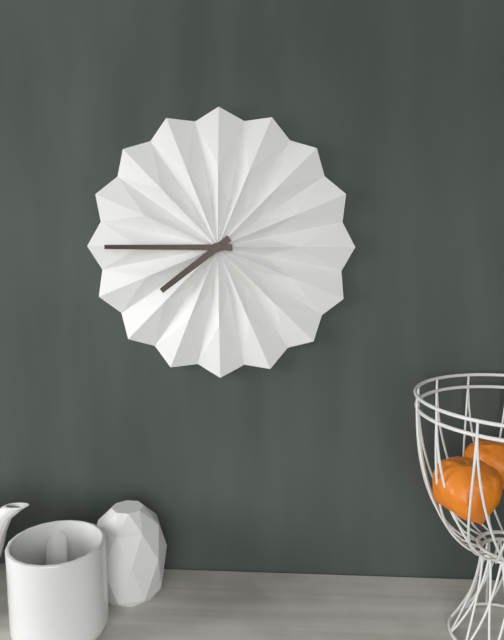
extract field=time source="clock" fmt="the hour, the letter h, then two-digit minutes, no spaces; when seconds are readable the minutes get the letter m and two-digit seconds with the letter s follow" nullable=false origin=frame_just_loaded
7h45
